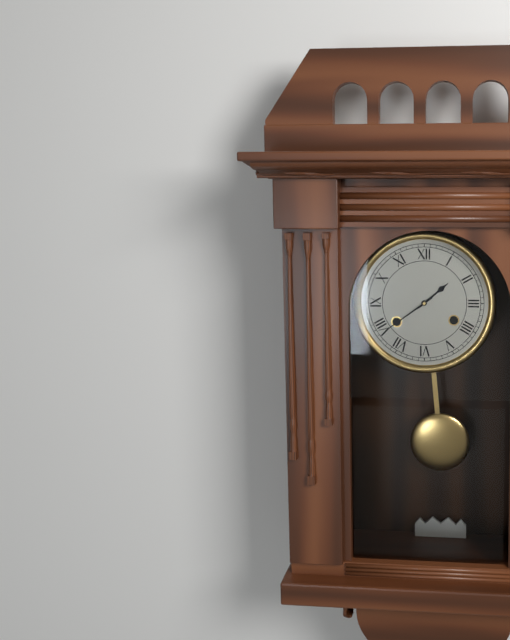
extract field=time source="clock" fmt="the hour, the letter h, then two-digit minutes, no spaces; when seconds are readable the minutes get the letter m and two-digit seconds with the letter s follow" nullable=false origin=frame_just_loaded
1h39
